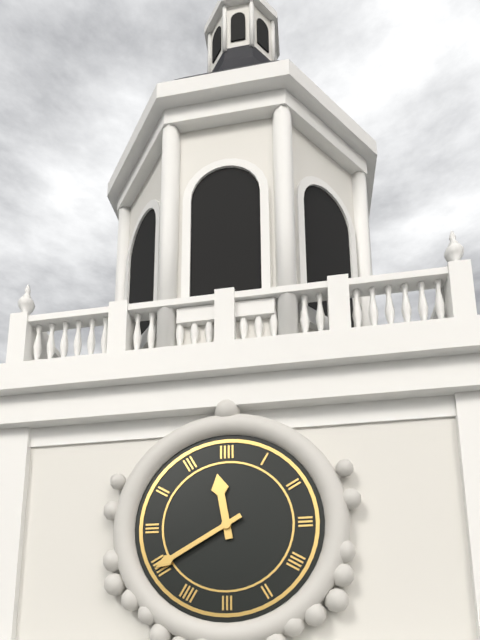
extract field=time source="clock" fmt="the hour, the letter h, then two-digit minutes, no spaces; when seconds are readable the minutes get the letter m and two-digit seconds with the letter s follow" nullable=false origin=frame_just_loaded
11h40
